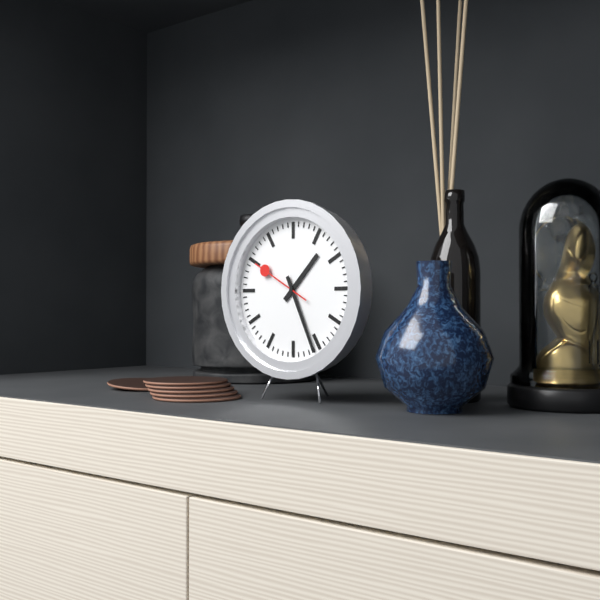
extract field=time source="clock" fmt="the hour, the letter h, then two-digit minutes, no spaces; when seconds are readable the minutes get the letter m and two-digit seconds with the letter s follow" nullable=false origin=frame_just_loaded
1h26m50s
